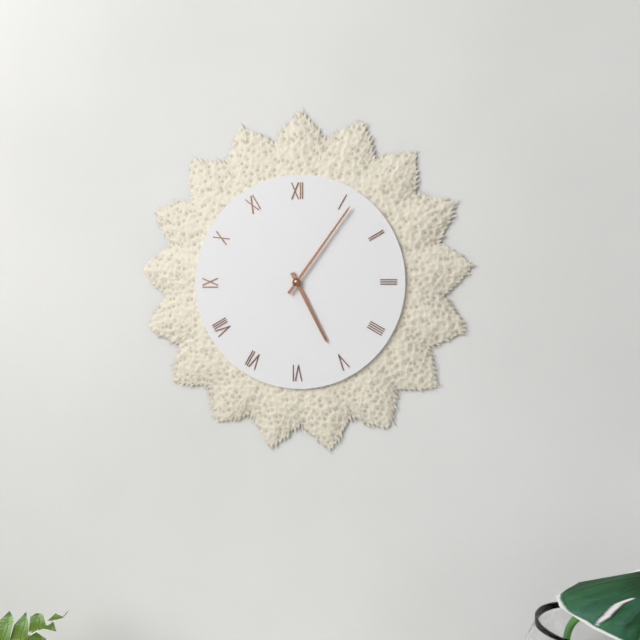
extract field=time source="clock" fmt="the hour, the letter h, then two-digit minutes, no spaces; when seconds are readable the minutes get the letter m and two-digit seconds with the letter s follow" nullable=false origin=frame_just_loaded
5h06
